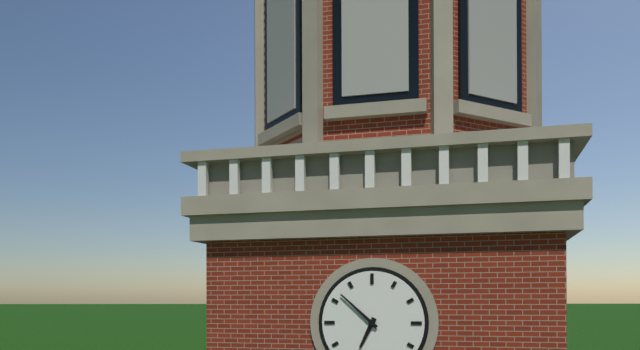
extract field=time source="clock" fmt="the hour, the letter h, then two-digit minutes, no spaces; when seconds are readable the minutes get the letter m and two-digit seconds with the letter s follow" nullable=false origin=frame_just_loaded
6h52
